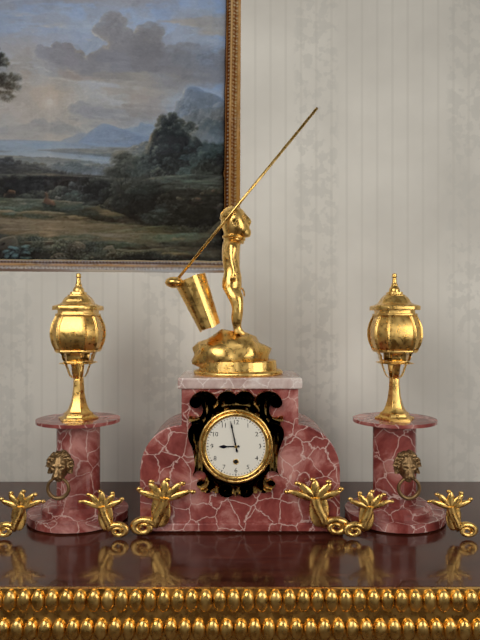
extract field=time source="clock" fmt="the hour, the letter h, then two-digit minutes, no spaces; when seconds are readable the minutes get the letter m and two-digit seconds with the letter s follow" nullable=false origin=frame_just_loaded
8h58
